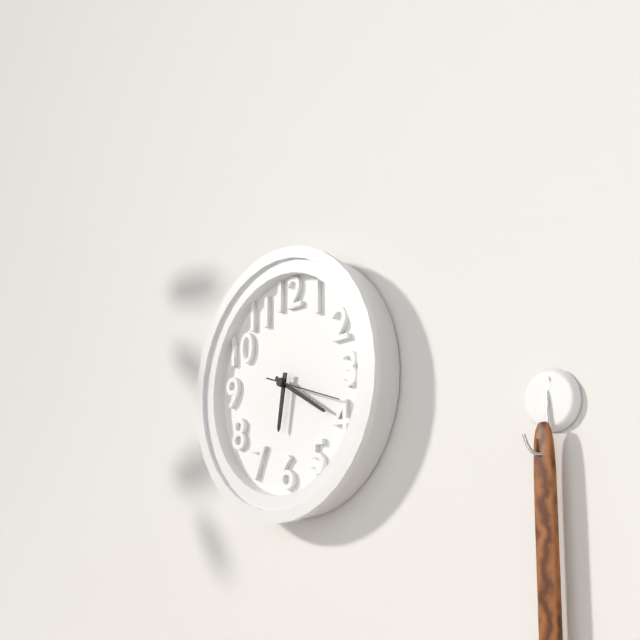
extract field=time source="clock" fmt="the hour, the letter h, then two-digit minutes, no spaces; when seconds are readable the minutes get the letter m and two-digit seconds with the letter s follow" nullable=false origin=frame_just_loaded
6h20m18s
